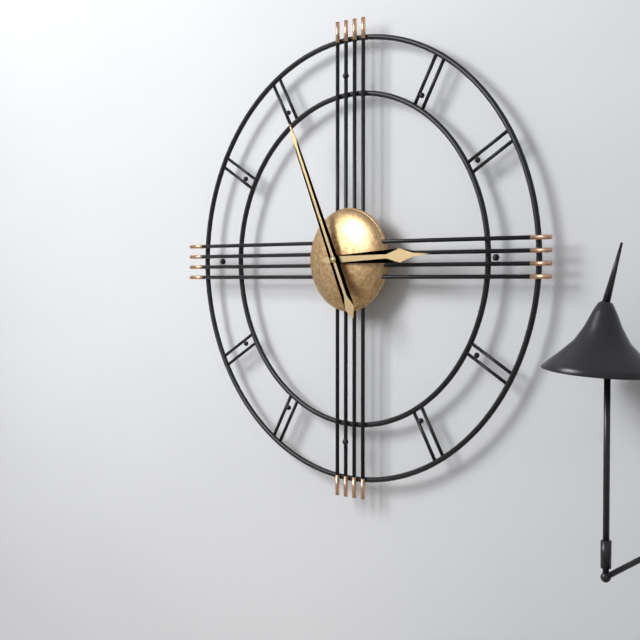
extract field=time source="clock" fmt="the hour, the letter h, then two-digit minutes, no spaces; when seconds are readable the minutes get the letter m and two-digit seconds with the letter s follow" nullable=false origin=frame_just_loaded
2h56
